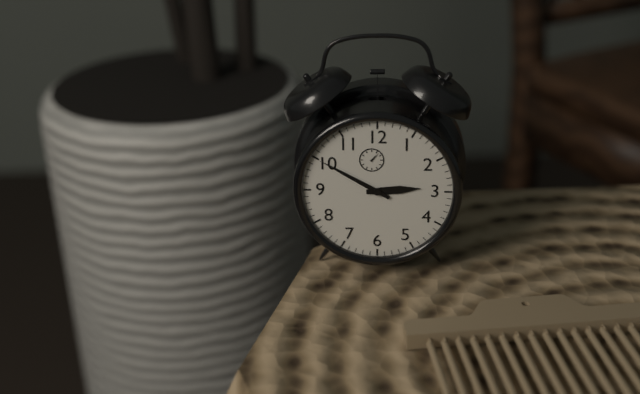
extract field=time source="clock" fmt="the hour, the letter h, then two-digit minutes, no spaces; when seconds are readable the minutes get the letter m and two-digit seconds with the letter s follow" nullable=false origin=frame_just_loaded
2h50
